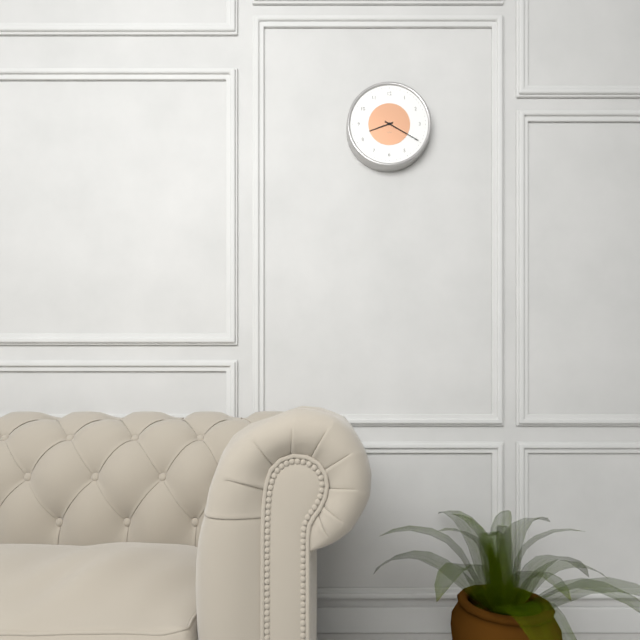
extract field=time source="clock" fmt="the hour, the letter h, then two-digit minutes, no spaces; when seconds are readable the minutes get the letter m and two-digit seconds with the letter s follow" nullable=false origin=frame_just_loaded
8h20
